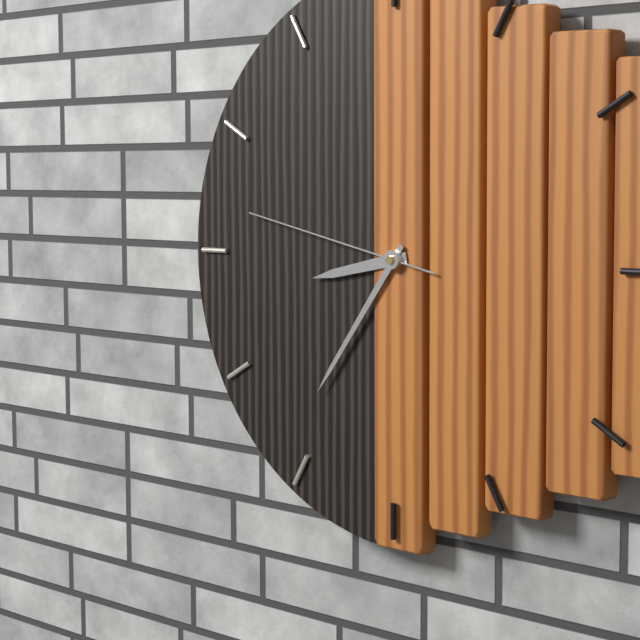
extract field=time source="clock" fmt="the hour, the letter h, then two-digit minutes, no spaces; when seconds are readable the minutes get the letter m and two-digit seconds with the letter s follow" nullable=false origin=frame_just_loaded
8h36m47s
